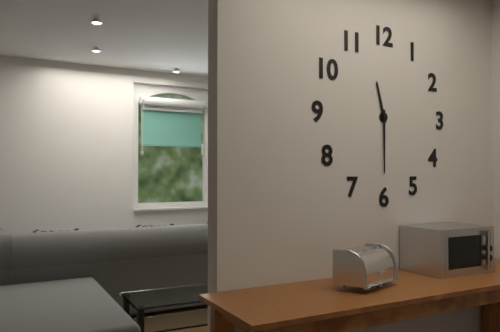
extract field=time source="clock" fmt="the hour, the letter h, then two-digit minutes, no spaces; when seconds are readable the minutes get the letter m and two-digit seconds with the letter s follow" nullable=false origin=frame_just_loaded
11h30
